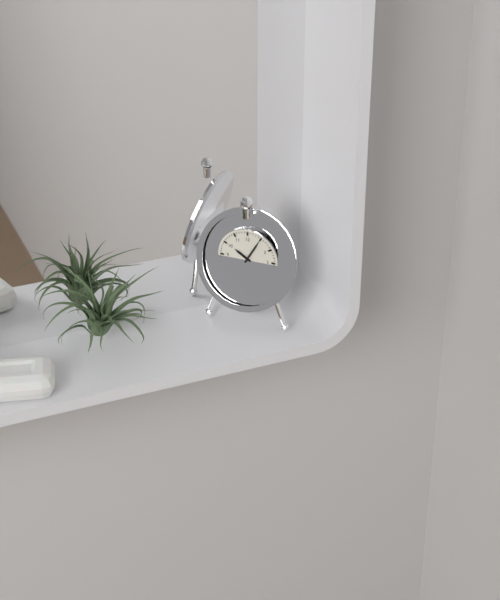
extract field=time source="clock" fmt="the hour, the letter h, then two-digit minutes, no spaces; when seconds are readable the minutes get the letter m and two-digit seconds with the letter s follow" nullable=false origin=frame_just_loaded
10h05
